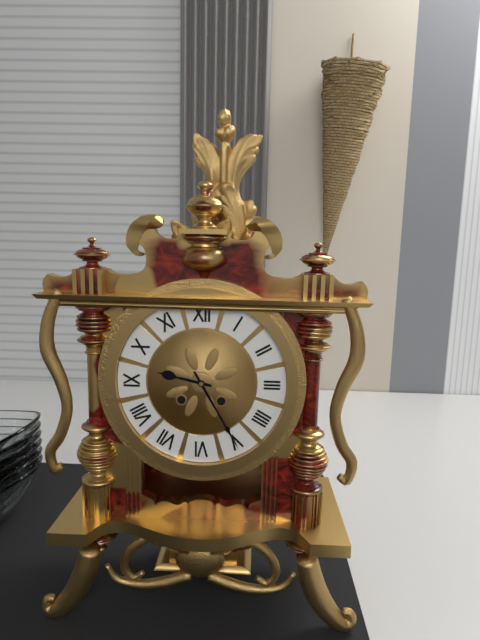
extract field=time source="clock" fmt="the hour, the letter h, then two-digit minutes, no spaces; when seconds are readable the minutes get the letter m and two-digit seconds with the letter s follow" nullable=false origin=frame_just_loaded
9h25
